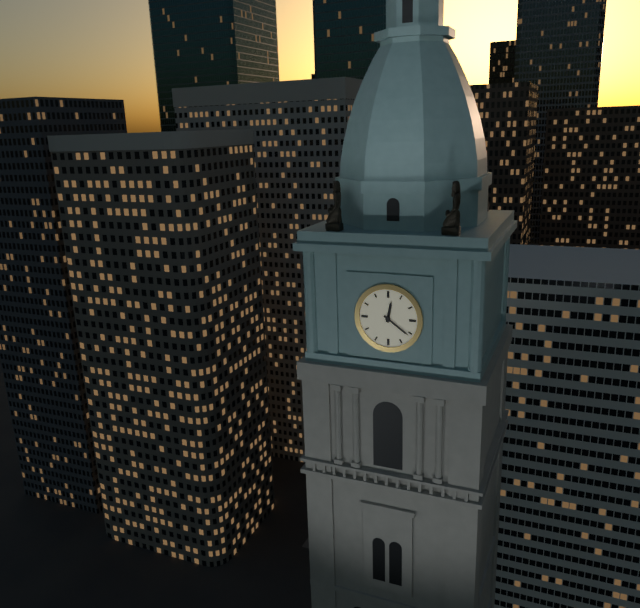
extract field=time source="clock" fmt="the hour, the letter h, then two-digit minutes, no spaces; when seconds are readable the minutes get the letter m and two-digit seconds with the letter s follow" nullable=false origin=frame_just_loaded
12h21
